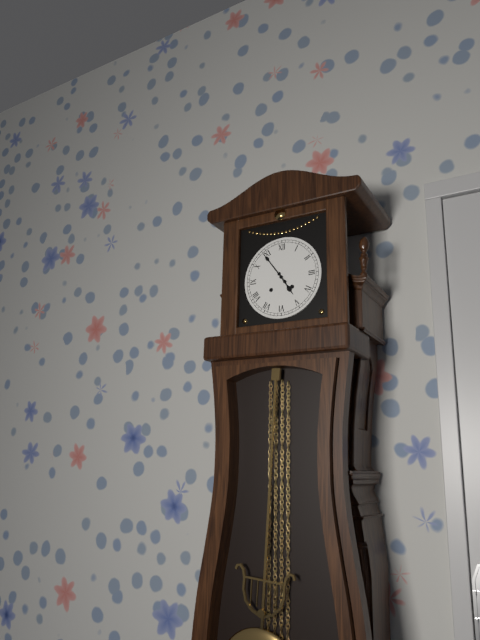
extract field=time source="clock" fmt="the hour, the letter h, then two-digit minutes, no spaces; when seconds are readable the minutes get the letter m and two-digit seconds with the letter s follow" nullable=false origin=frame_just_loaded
4h54
